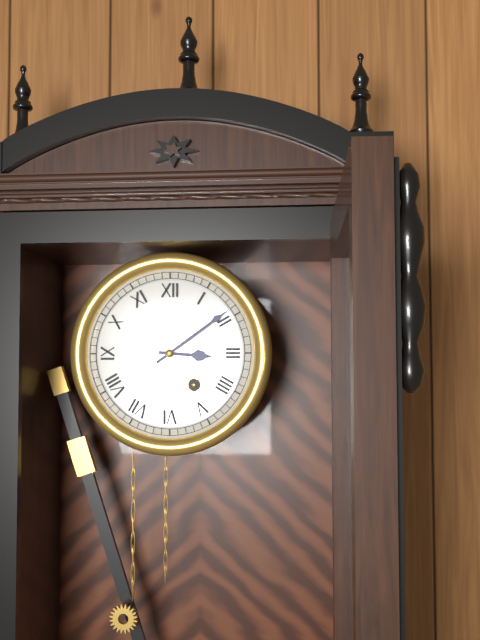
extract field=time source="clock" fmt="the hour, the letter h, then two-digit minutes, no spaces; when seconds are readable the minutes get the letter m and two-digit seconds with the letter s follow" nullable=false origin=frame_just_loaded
3h09
